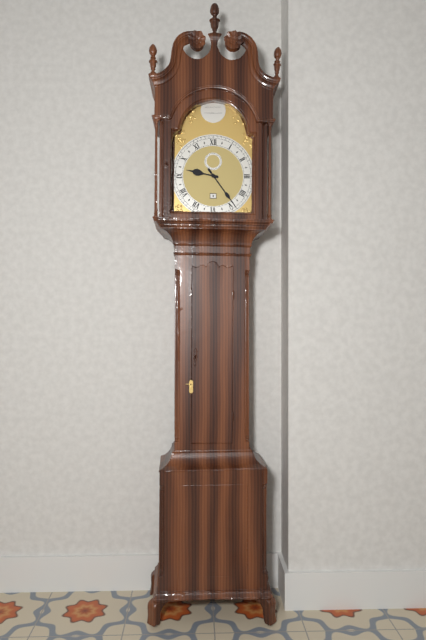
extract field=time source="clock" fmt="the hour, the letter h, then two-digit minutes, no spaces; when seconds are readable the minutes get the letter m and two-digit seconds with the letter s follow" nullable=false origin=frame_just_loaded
9h24
